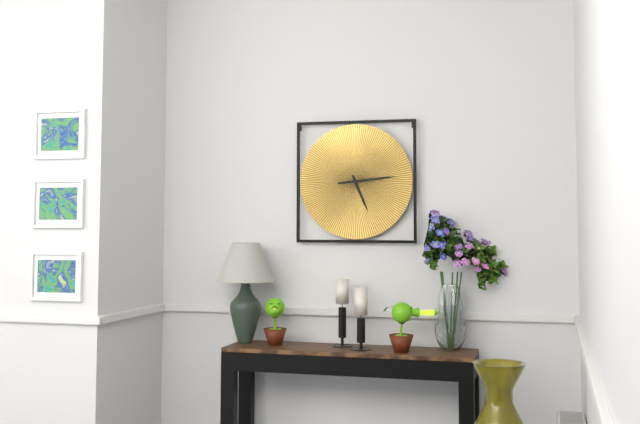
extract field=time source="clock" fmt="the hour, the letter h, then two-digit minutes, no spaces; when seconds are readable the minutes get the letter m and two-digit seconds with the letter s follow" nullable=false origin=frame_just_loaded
5h14
